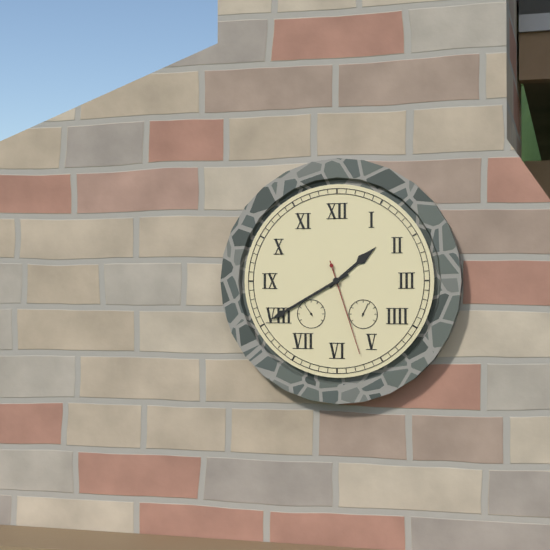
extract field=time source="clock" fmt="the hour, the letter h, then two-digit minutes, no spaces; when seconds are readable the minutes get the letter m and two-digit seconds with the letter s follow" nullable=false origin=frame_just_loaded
1h40m27s
